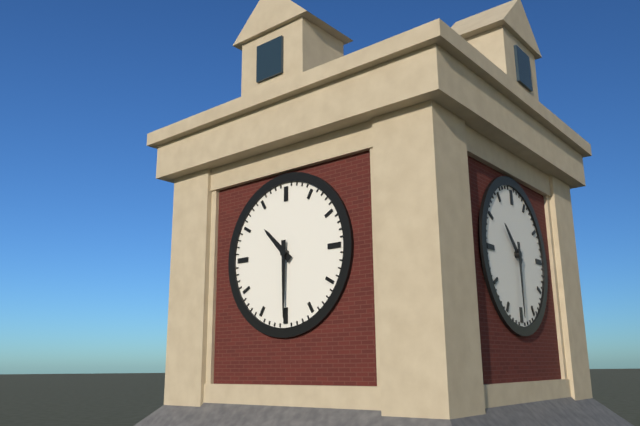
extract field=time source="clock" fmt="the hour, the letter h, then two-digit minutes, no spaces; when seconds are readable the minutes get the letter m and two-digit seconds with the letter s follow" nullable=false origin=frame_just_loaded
10h30
